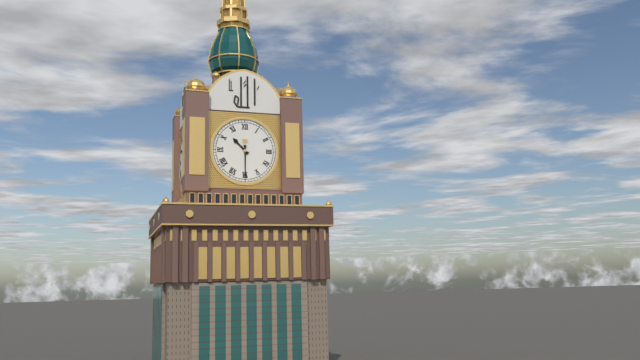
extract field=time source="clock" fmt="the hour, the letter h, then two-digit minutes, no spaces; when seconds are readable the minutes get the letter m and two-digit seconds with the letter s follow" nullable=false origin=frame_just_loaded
10h30
